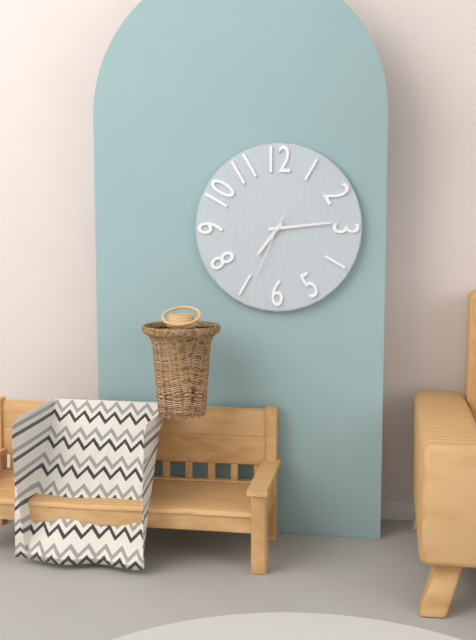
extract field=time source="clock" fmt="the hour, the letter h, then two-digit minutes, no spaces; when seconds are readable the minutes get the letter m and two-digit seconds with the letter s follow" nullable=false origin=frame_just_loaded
7h14m34s
